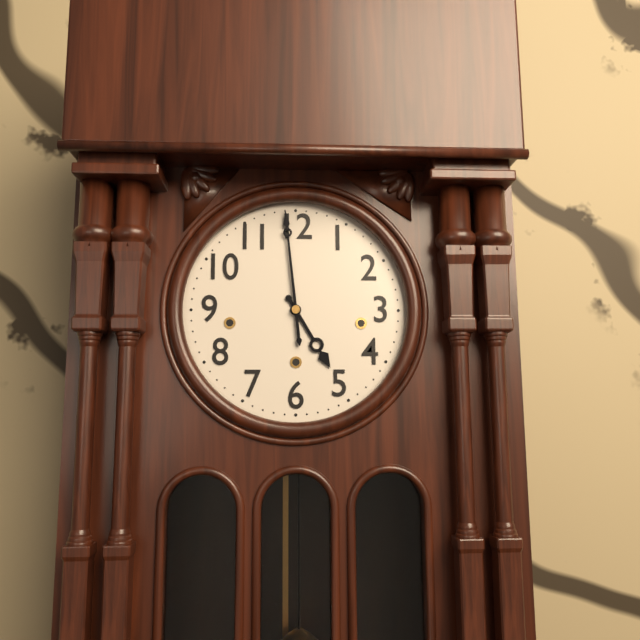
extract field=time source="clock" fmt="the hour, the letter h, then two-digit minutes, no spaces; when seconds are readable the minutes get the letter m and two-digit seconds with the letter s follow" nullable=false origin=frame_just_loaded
4h59
